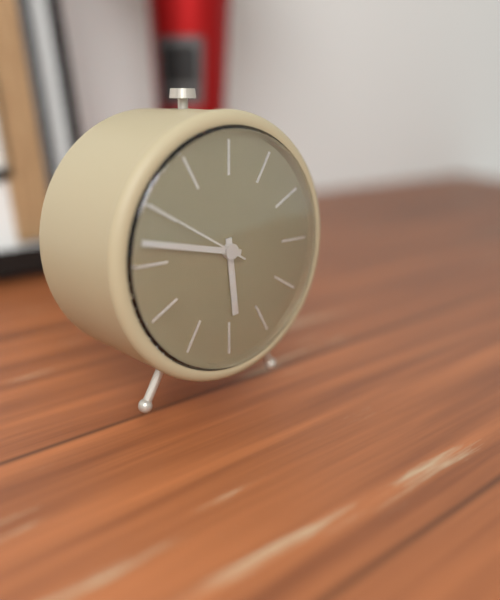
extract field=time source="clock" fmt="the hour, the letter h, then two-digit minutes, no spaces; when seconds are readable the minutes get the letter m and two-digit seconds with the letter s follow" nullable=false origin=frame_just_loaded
5h47m50s
